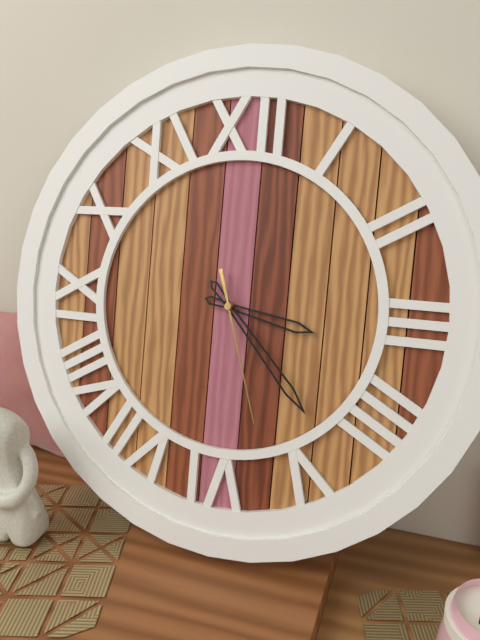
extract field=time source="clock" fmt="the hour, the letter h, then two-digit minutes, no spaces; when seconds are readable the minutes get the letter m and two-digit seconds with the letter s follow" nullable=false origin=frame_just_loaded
3h23m27s
